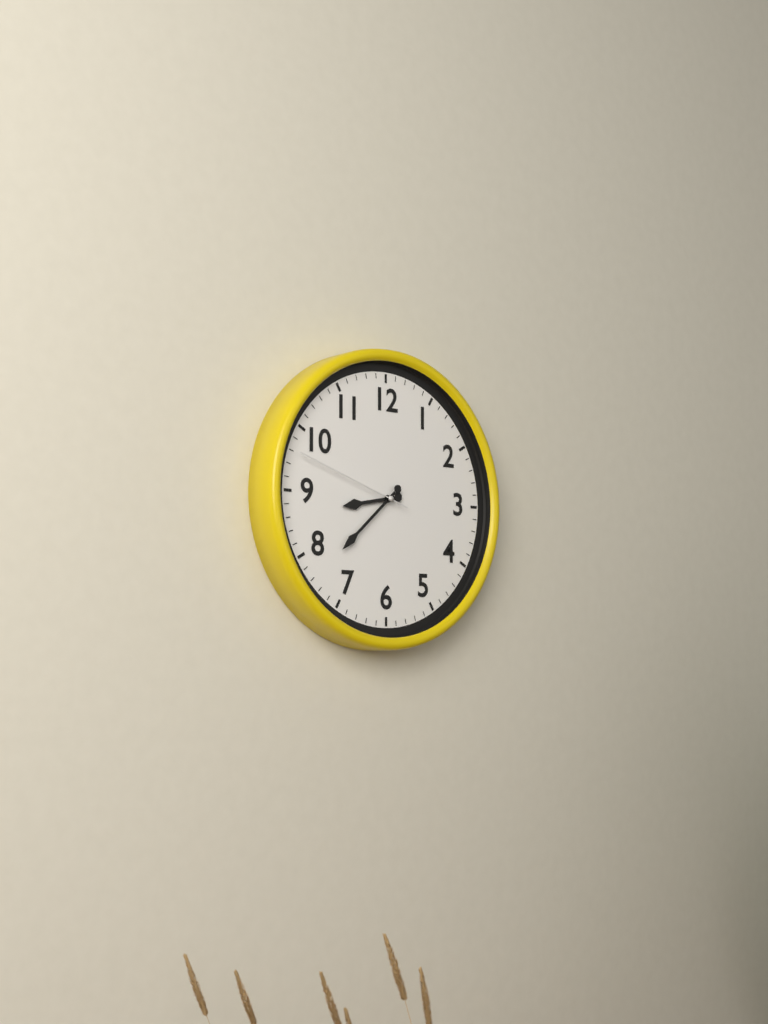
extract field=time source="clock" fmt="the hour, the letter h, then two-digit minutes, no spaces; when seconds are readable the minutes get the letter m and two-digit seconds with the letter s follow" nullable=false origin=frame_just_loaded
8h38m48s
